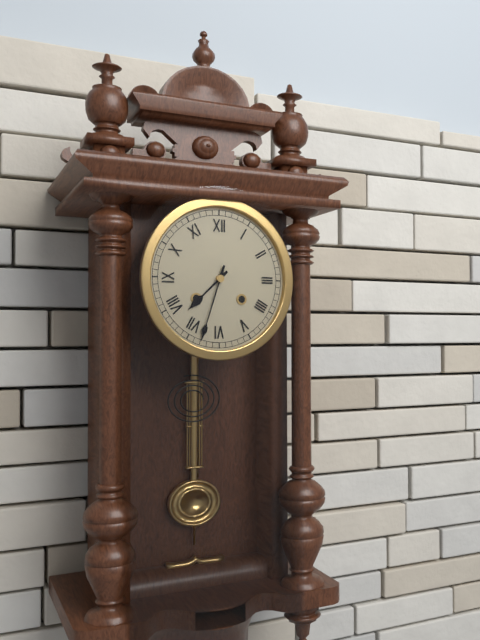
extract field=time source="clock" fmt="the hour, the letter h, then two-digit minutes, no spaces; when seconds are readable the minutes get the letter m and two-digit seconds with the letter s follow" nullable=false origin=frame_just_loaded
7h33
